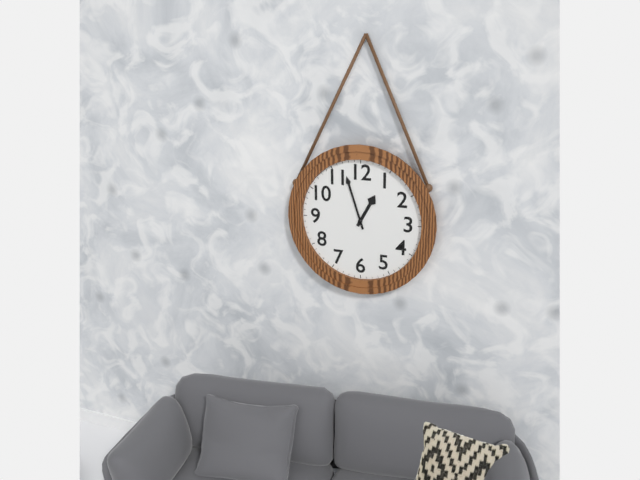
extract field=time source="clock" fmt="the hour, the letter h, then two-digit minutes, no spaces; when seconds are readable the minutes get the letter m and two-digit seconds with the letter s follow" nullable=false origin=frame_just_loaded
12h57
